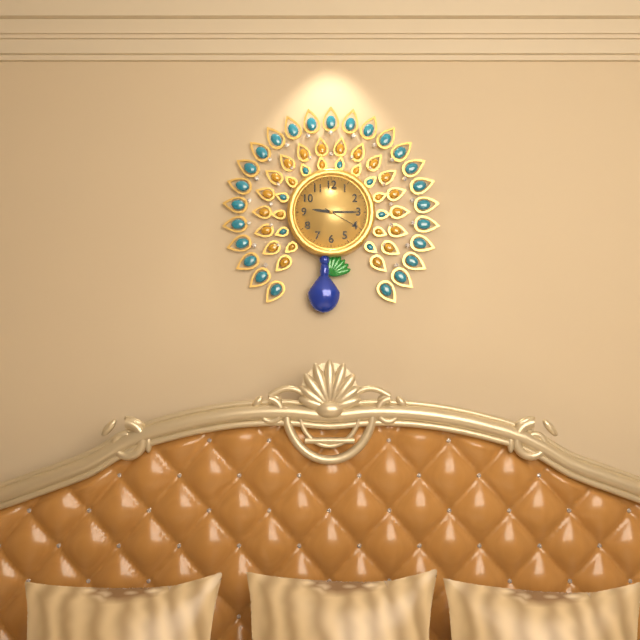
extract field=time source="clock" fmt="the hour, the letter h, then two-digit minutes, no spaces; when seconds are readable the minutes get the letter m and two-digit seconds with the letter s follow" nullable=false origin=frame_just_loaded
9h15
